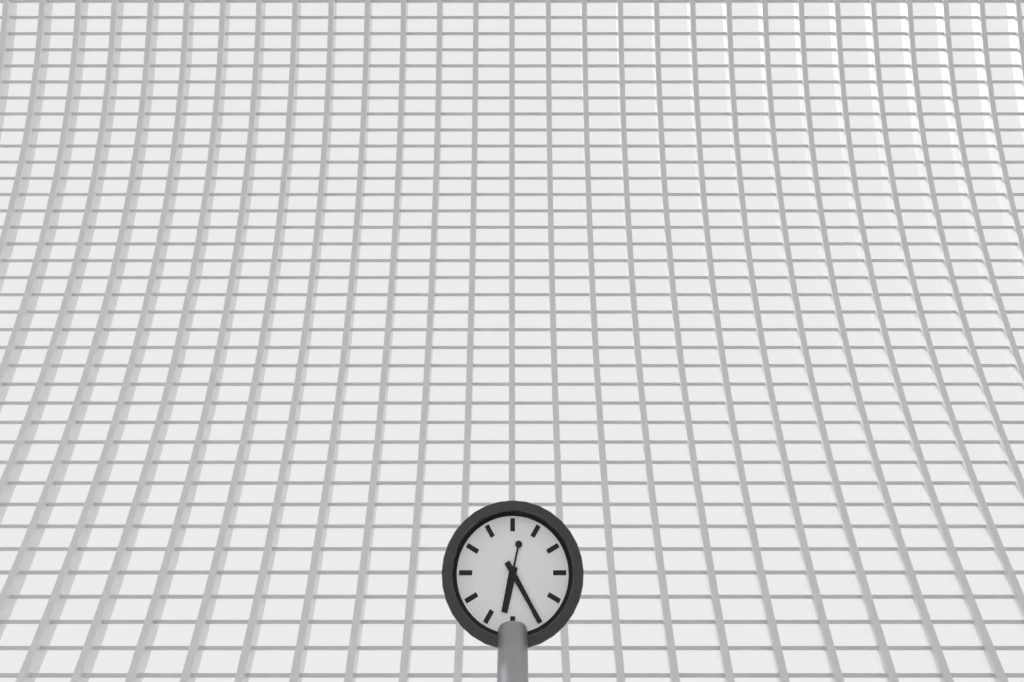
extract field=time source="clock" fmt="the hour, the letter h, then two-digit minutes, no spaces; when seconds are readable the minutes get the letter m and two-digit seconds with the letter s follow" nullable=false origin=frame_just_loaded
6h25
